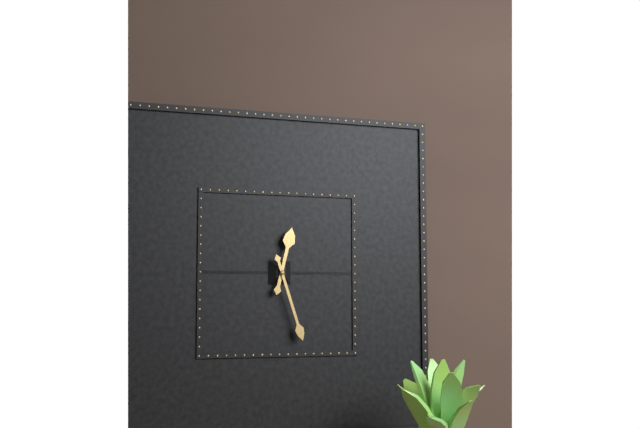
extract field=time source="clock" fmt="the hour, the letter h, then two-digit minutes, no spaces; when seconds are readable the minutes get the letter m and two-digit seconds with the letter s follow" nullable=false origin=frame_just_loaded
12h27
